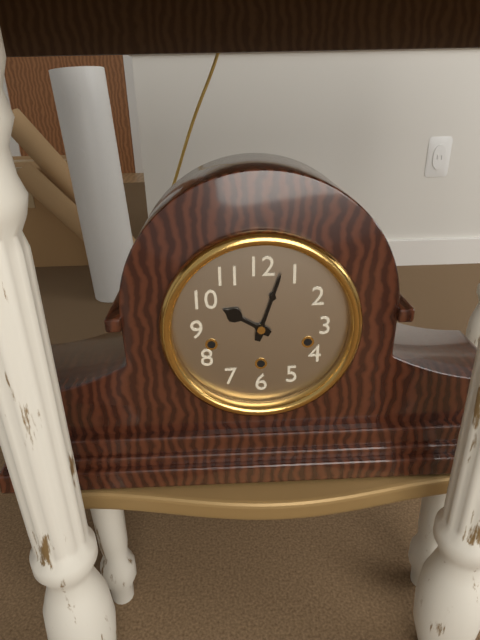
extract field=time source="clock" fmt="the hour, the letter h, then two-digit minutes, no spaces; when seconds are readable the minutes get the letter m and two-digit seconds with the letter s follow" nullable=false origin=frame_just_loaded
10h03
